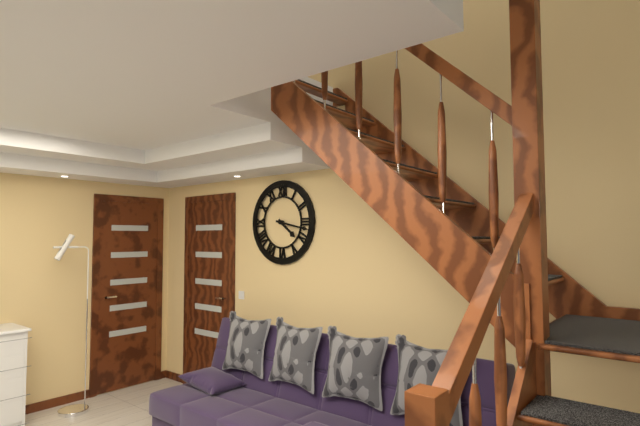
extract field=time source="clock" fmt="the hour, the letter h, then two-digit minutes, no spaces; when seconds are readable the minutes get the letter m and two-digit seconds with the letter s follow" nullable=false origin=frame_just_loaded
4h17
